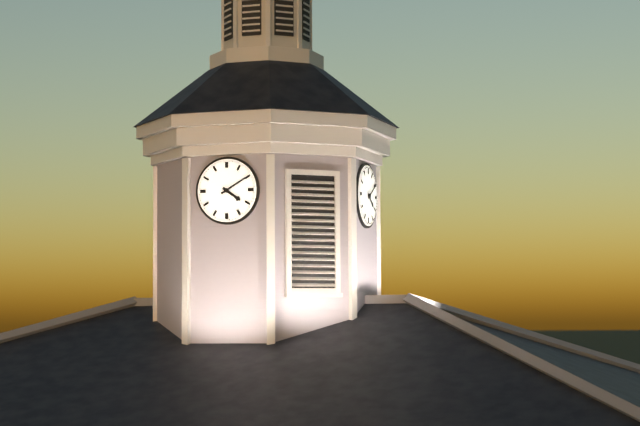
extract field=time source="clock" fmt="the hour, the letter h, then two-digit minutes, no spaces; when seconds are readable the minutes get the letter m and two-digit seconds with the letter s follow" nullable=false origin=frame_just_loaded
4h10
